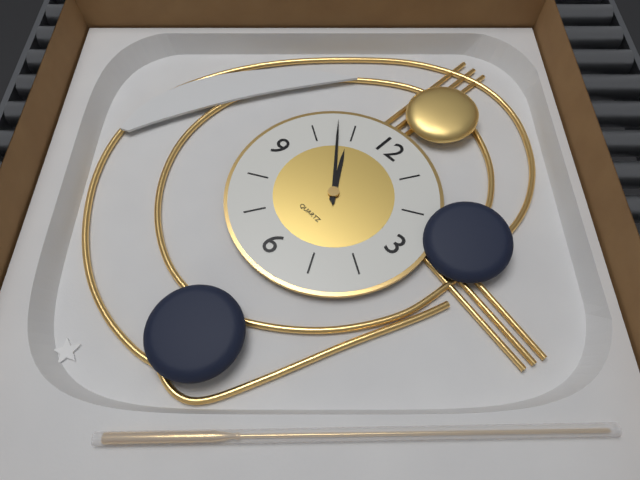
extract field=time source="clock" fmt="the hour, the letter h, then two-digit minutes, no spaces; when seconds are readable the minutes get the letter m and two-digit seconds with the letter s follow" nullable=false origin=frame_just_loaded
10h53
